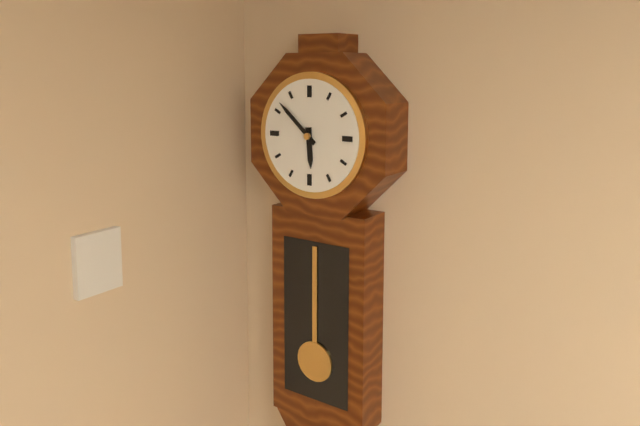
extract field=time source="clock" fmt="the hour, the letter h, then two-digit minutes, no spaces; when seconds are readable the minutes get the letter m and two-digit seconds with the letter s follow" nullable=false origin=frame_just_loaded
5h52
